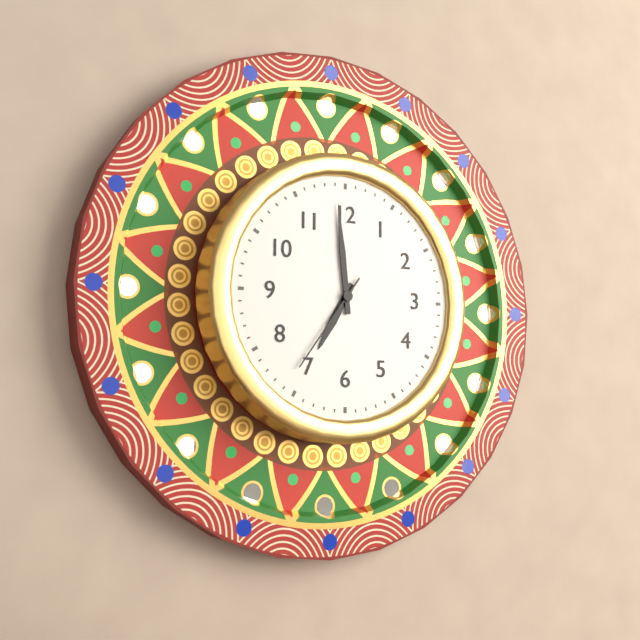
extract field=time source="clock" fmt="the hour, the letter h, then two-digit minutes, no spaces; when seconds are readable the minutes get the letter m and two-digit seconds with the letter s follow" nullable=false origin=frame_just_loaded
6h59m36s
